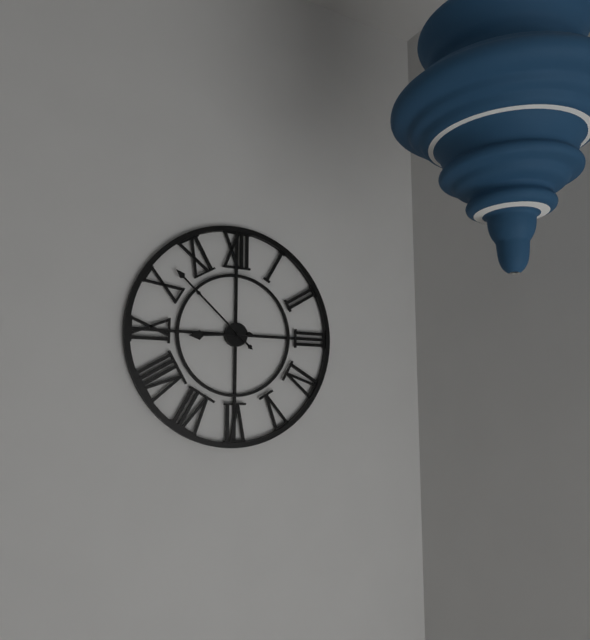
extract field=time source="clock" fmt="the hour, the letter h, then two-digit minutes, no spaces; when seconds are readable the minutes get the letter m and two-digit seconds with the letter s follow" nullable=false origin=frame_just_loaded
8h52
